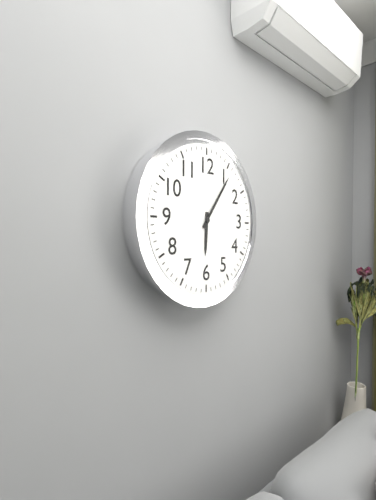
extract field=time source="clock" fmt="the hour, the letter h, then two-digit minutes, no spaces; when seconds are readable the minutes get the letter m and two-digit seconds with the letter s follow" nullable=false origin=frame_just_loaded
6h06
